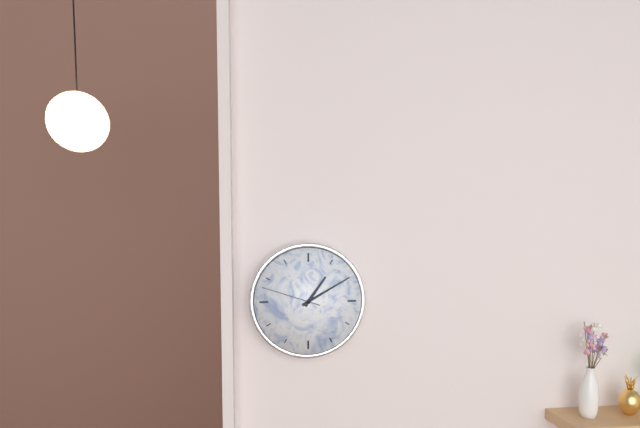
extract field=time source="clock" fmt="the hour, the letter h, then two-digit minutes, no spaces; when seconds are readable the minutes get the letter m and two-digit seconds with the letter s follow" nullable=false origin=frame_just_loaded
1h10m48s
